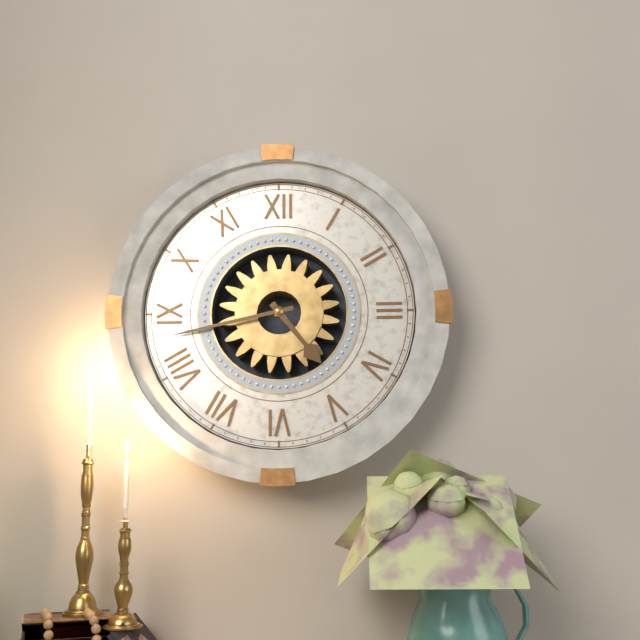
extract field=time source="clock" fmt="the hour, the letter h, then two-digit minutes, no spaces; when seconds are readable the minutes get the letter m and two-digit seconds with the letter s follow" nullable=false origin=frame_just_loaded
4h43
